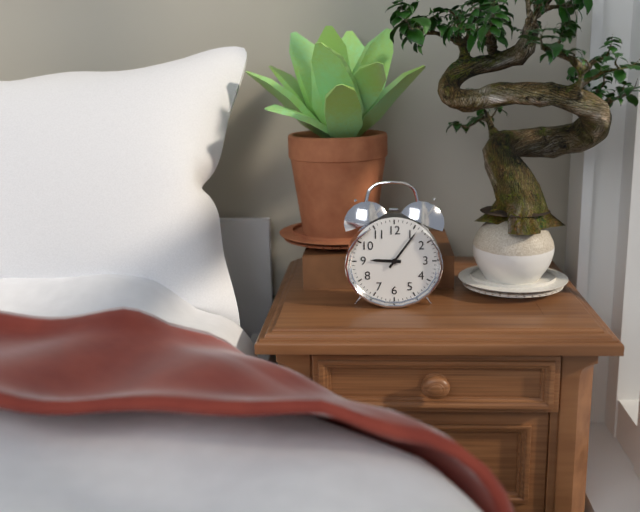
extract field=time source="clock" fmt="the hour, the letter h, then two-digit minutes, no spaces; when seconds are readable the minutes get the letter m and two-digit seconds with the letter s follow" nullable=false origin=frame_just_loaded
9h06
